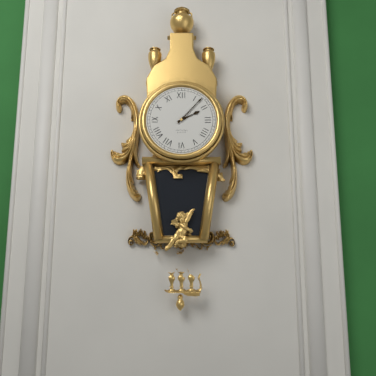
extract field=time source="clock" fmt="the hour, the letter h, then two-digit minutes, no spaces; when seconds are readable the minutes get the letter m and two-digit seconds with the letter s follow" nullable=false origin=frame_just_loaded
2h07
